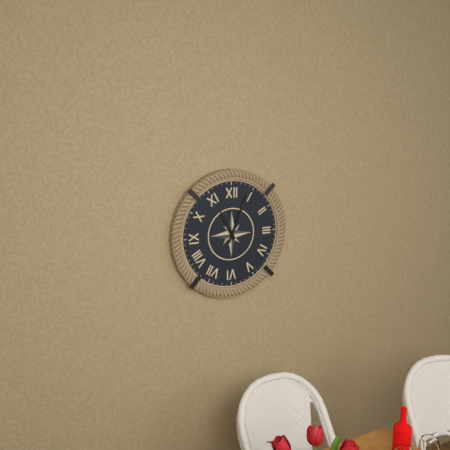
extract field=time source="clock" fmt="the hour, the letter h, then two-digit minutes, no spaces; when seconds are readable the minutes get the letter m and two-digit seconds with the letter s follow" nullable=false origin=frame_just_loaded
11h04
